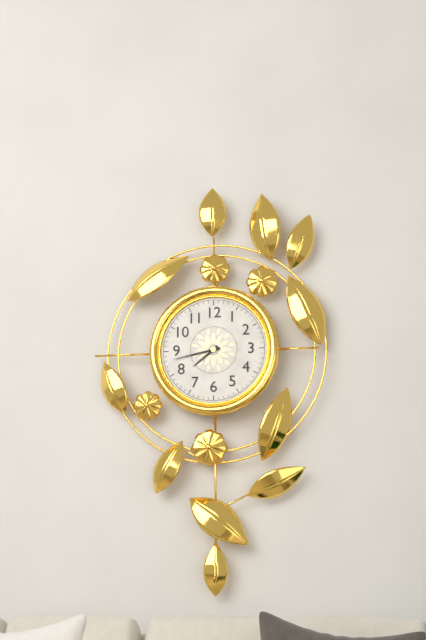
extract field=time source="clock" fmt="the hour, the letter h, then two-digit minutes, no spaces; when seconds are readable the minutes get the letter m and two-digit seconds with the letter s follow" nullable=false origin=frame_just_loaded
7h43
